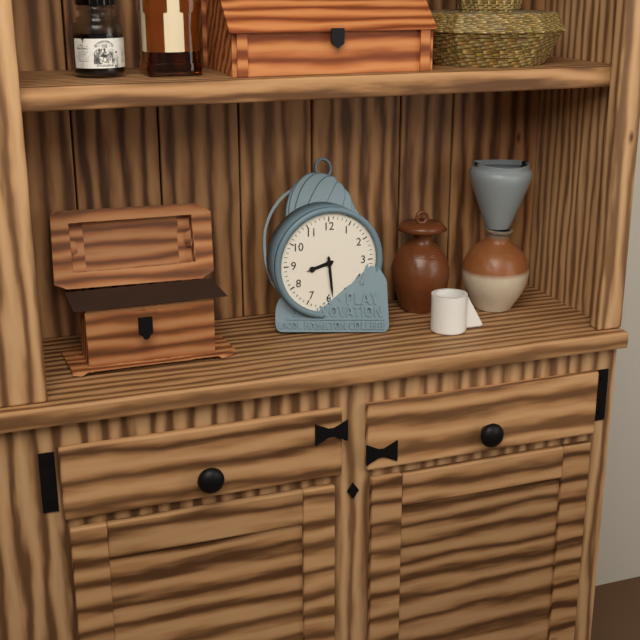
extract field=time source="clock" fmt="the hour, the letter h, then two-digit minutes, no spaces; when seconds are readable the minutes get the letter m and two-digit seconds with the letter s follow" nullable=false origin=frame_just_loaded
8h29
